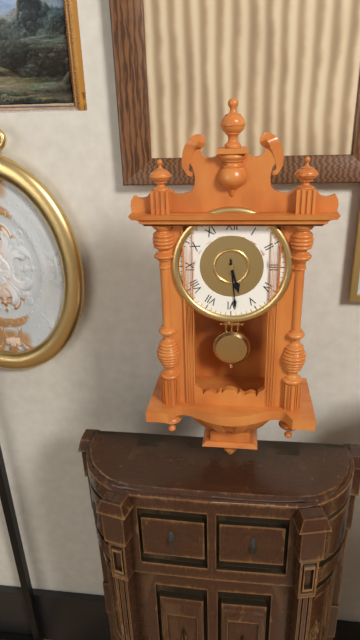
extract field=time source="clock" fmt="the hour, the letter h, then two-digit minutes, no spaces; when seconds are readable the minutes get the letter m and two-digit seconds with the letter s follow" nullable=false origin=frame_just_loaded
5h29
